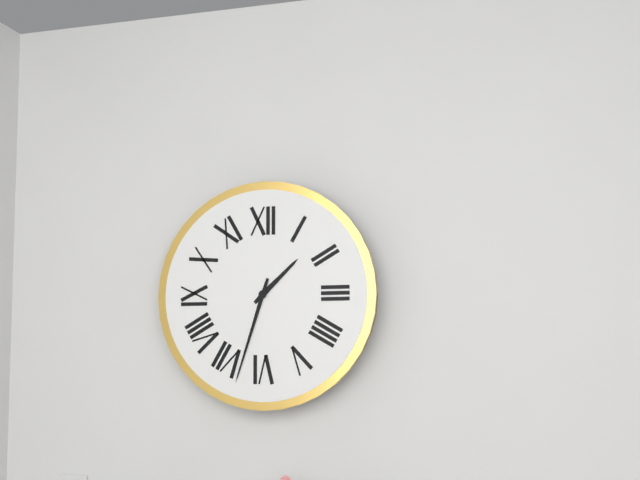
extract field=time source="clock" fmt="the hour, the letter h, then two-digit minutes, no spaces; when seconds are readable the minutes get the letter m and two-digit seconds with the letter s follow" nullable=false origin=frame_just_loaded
1h33
